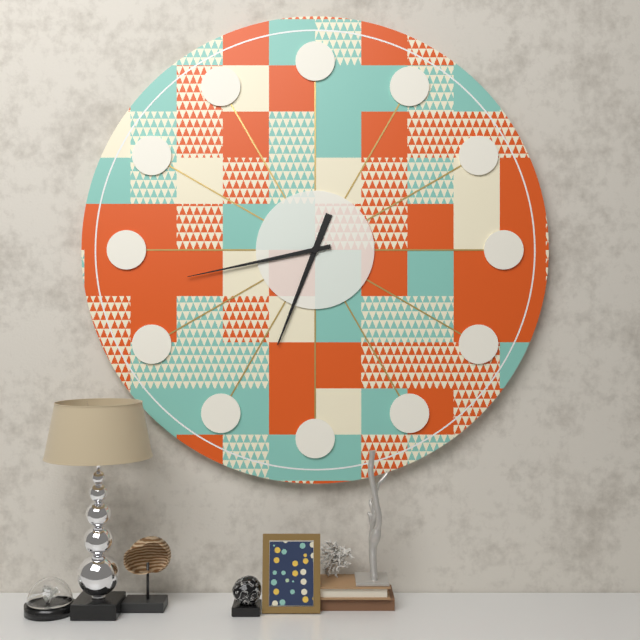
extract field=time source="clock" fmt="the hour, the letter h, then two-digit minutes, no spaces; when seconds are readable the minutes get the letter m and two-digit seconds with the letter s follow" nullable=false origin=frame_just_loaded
6h43
